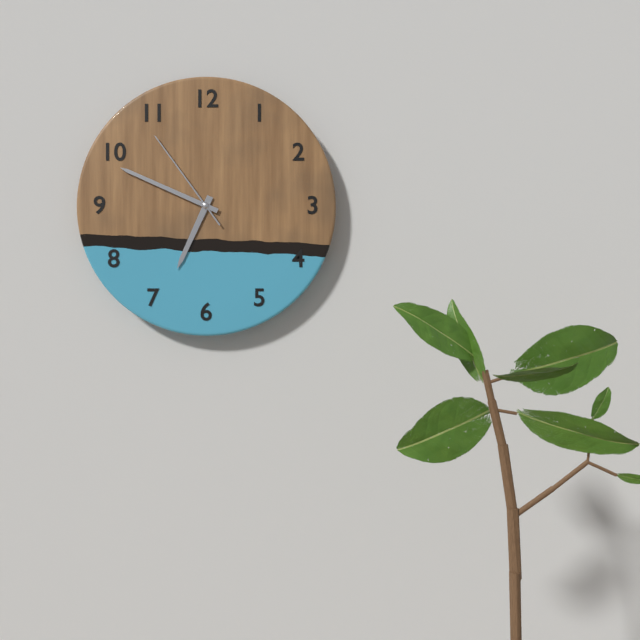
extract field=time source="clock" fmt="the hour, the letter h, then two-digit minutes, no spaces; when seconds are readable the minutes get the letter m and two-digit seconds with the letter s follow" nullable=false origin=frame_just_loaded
6h49m54s
